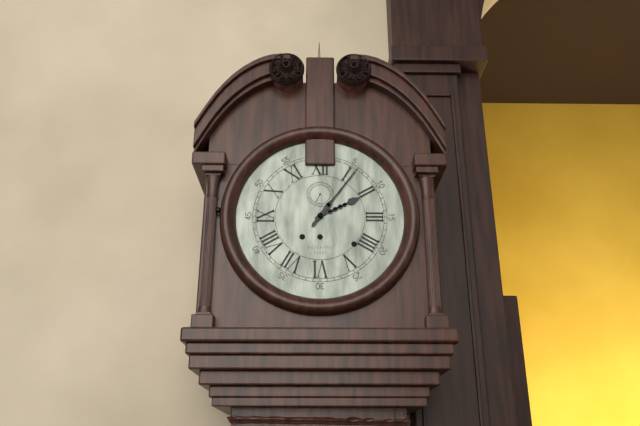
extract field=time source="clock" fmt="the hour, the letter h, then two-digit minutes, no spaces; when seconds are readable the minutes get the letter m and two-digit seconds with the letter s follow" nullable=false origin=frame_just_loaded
2h06
